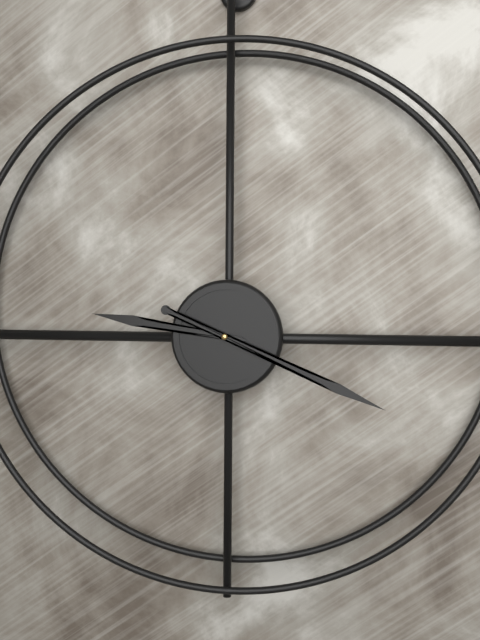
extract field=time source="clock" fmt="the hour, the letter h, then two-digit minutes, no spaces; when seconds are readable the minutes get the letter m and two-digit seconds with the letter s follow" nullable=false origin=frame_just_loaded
9h19
